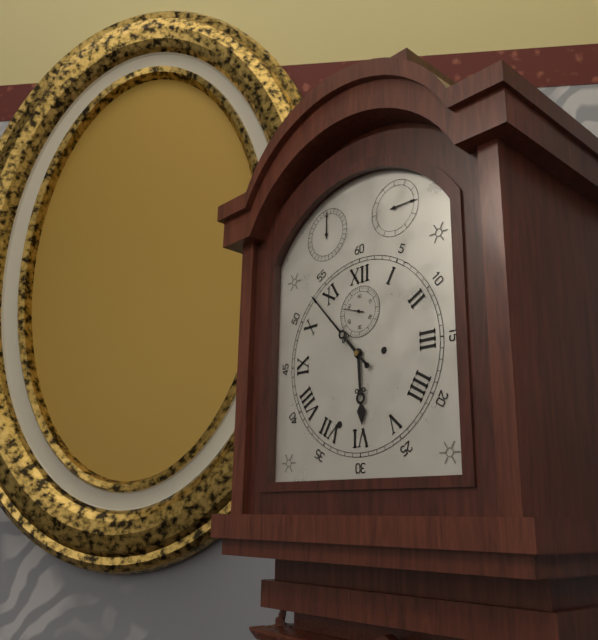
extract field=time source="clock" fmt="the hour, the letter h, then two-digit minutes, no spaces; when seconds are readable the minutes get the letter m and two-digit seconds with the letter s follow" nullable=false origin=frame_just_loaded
5h53
